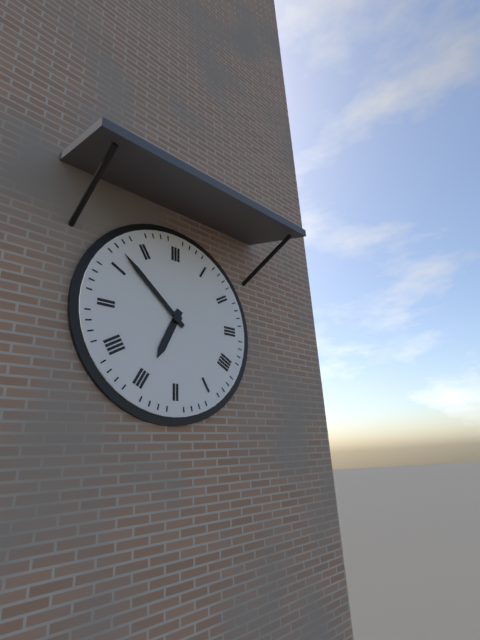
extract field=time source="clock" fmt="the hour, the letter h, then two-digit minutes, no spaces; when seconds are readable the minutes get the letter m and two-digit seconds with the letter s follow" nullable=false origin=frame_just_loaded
6h52
